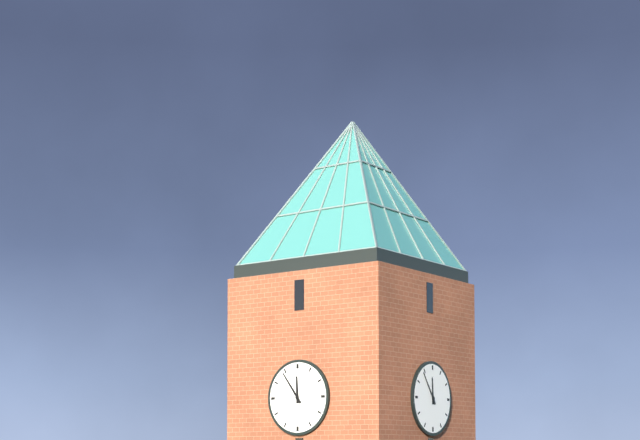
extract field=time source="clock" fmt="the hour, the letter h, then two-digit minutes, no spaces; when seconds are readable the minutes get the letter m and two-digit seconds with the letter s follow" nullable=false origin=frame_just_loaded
11h54
